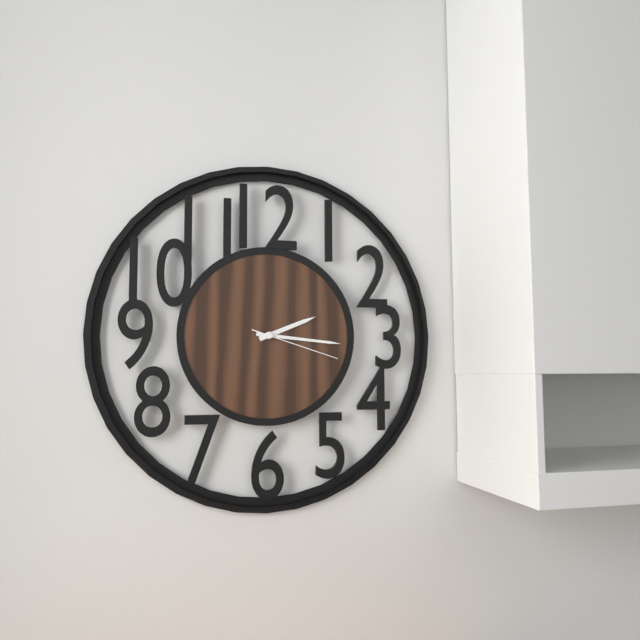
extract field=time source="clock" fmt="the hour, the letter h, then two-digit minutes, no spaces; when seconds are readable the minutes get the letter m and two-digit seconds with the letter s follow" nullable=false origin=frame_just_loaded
2h16m18s
